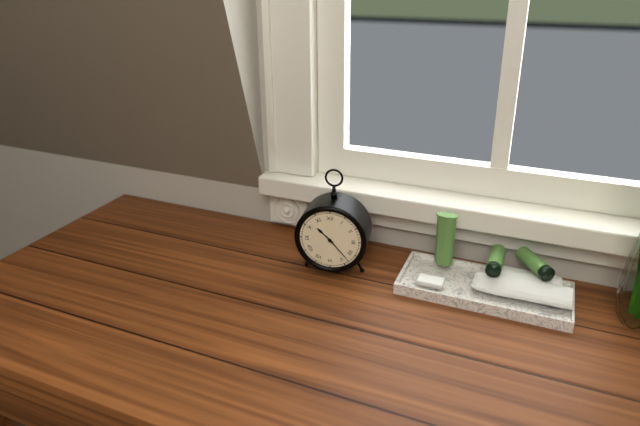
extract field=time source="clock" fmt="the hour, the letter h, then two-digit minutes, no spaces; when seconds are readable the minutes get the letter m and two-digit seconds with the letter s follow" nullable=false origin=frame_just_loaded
10h23
